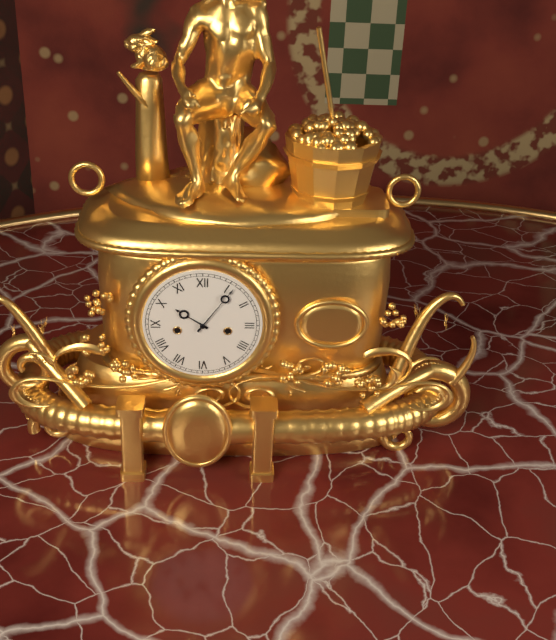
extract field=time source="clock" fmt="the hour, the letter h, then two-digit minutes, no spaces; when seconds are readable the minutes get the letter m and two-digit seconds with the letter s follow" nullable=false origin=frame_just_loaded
10h06
